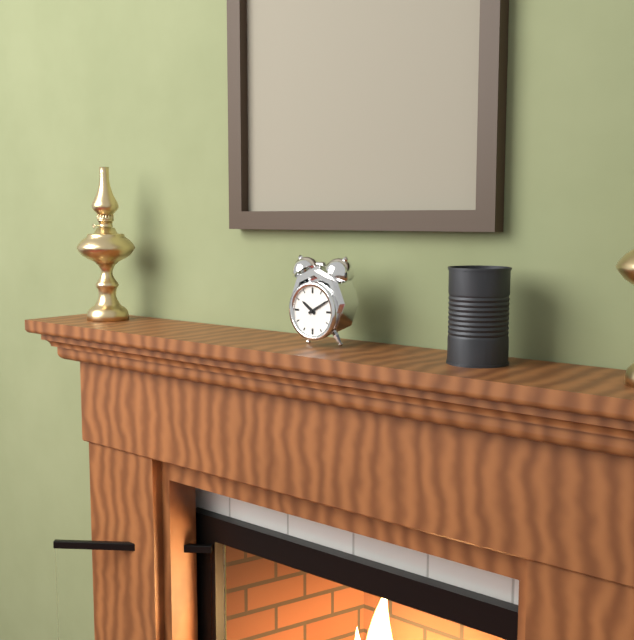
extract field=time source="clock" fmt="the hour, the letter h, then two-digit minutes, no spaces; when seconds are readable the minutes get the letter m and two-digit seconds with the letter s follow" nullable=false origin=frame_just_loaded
10h10
